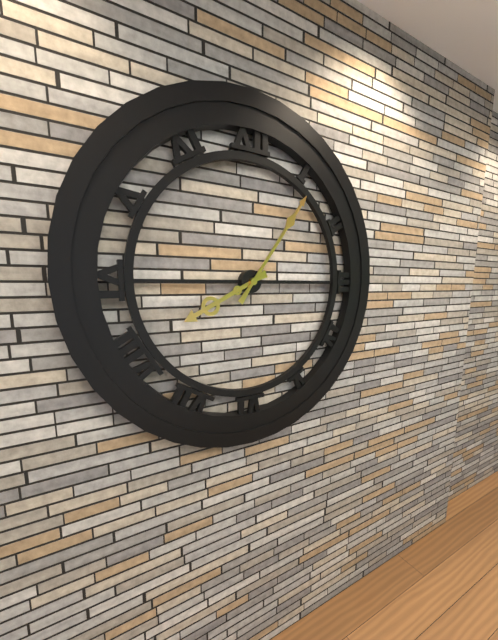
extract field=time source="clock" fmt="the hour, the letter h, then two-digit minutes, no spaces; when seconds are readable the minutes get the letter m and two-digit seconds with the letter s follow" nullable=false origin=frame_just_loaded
8h06
